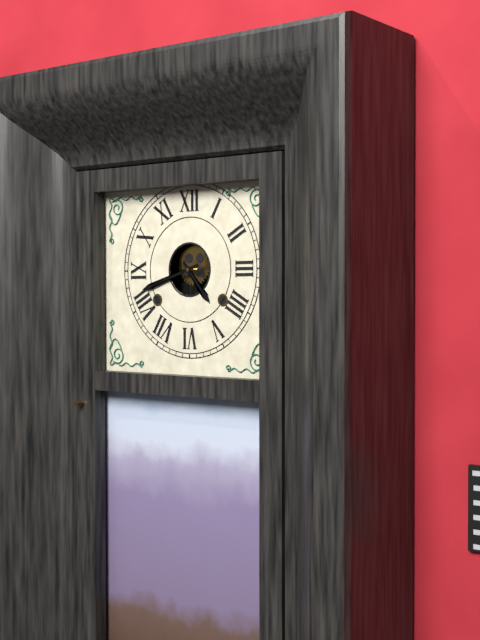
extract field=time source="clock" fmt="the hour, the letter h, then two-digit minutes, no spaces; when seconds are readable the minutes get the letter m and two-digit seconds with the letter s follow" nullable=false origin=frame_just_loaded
4h42
